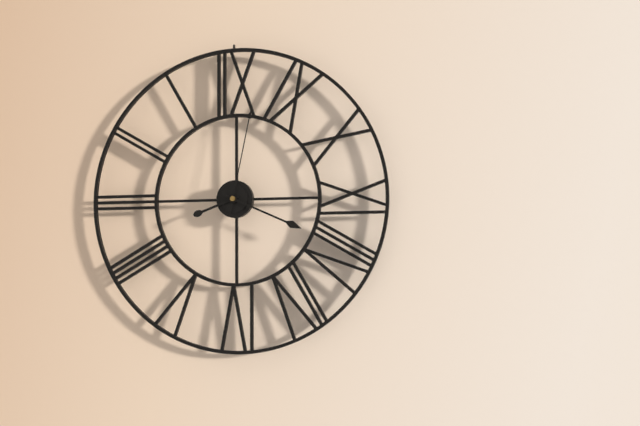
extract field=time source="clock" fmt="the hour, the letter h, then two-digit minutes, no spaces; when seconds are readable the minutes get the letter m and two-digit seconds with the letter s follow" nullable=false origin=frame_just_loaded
8h19m02s
